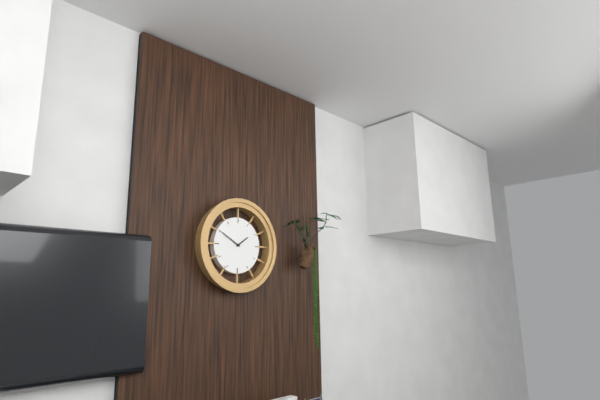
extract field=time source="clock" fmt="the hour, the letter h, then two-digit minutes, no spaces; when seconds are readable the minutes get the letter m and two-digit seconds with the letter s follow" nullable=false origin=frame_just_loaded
1h50
